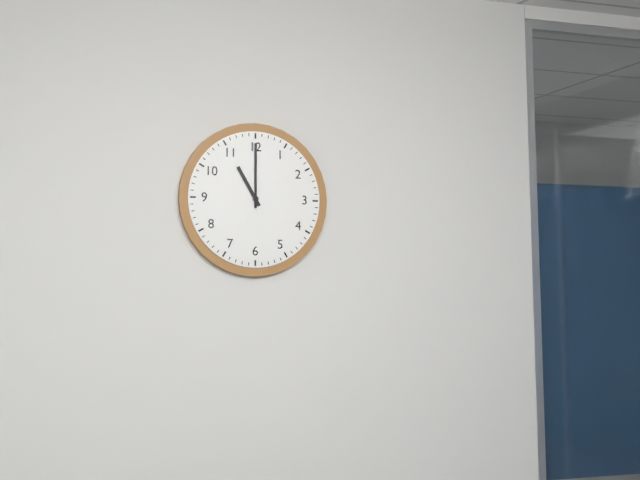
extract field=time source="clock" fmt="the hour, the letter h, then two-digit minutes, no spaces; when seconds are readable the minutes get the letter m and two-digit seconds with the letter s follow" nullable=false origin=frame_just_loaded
11h00
